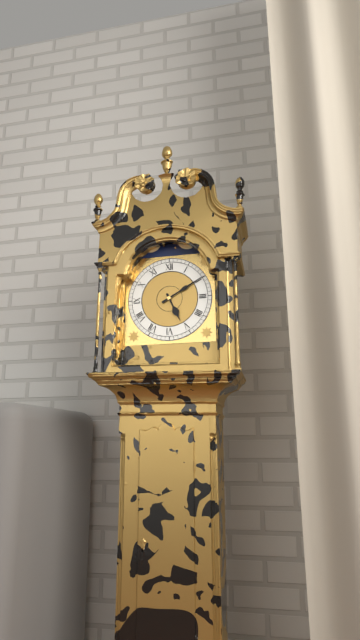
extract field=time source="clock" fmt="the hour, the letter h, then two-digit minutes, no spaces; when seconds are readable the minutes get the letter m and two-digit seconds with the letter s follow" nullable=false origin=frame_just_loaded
5h10
